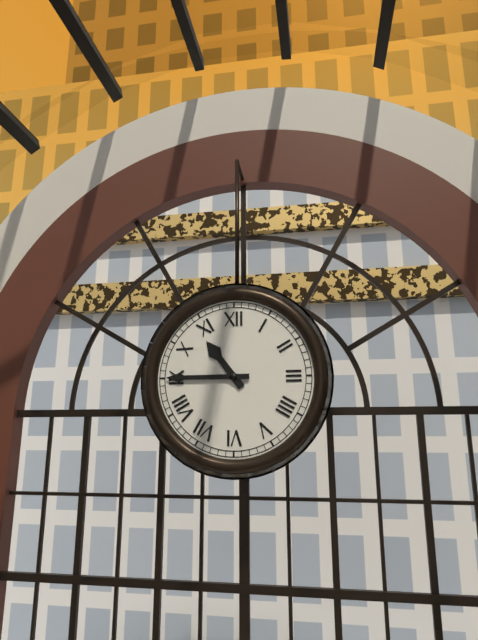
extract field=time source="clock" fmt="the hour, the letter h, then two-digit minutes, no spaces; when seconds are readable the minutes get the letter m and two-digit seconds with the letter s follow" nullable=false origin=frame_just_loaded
10h45
